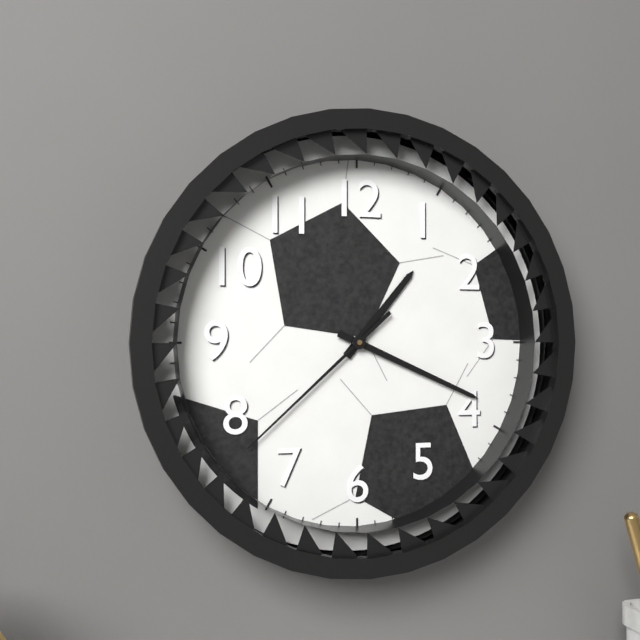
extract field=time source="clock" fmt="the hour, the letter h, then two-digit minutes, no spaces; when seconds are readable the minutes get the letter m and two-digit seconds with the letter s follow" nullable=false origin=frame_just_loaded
1h19m38s
